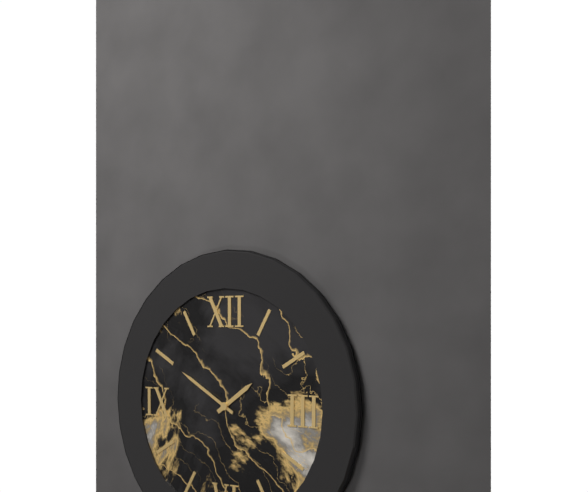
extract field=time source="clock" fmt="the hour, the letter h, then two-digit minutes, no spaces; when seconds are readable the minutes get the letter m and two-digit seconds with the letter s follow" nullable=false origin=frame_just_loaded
1h50
